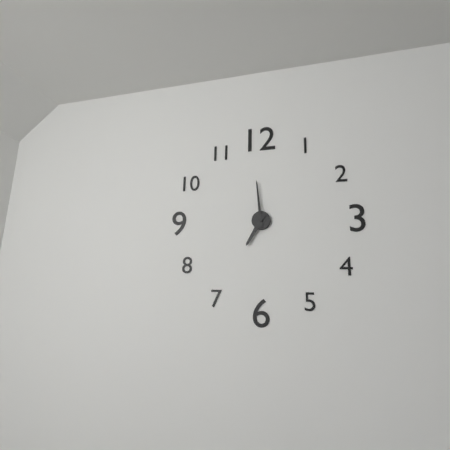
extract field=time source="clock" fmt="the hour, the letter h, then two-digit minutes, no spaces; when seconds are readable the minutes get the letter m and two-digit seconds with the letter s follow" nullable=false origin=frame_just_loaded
6h59
